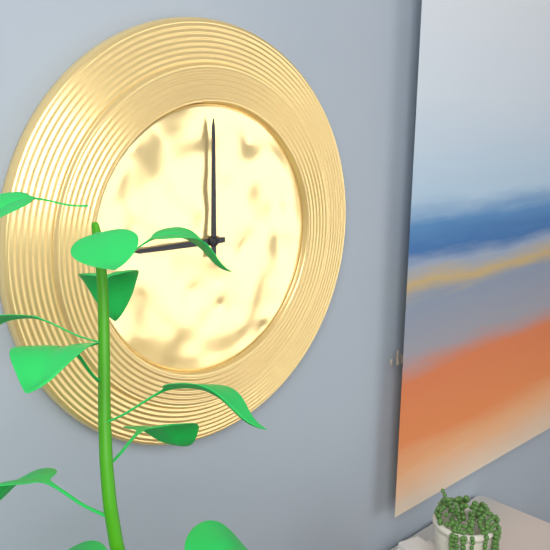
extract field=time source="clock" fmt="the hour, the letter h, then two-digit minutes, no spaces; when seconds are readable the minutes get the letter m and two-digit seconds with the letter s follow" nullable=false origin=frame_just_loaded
9h00
